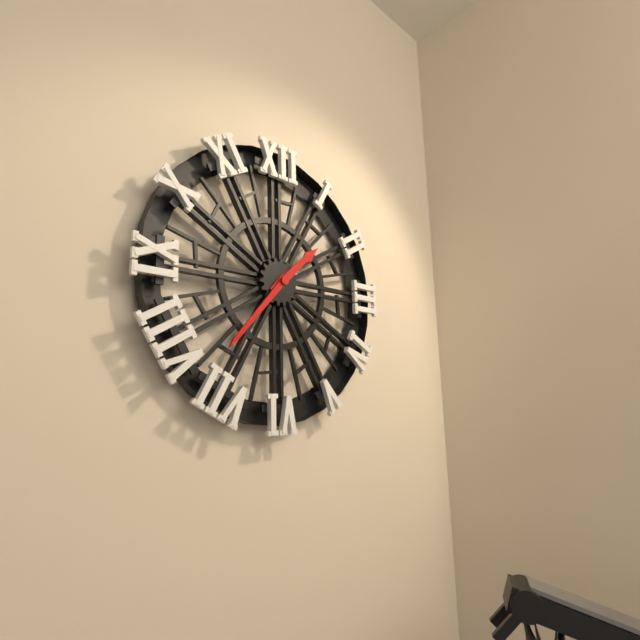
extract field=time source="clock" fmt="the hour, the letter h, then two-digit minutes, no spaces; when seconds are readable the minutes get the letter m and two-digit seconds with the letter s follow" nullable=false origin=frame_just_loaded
1h37
